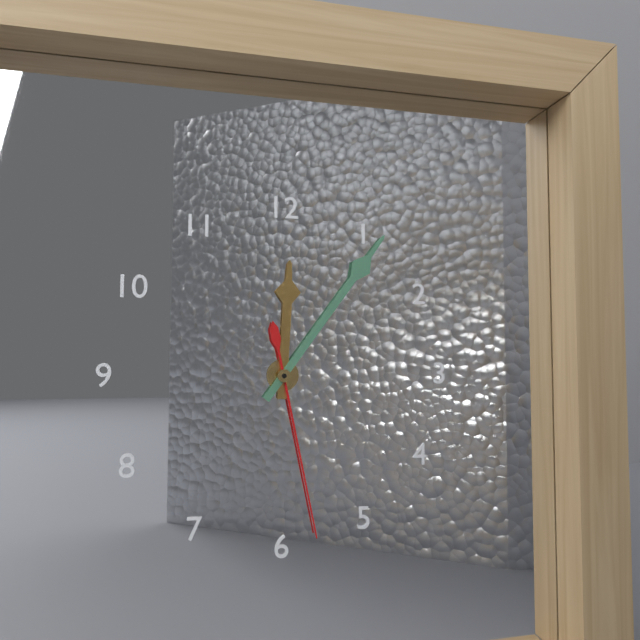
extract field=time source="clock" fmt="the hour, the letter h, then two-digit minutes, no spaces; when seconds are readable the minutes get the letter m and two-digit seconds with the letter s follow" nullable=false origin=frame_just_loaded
12h06m28s
